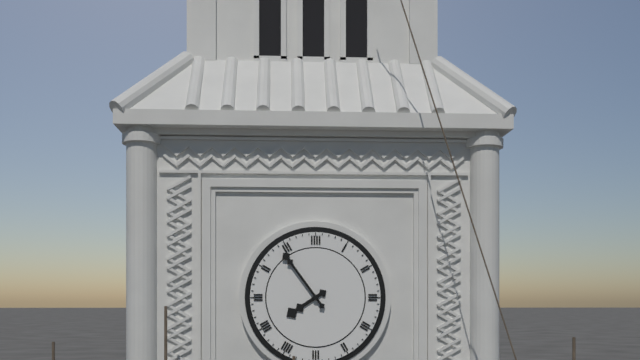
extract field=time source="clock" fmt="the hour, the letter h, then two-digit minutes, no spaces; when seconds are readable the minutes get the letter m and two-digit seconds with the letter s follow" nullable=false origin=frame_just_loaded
7h54
